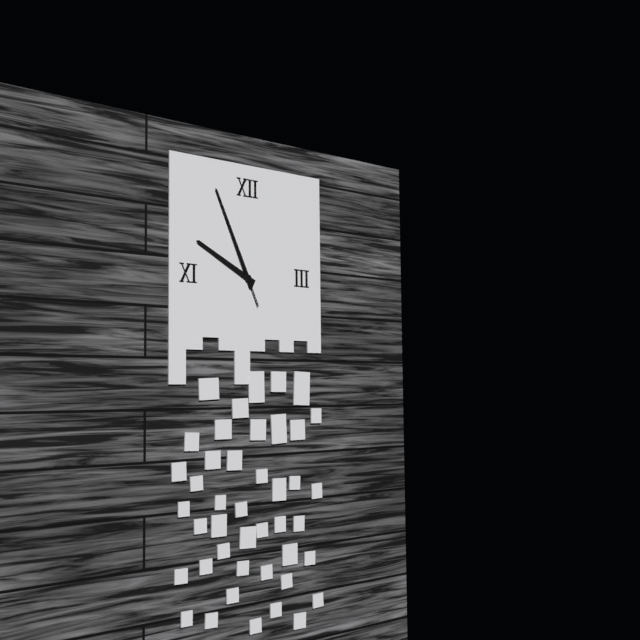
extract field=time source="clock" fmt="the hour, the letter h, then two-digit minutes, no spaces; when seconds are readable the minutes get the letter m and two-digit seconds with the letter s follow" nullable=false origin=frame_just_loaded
9h56m56s
